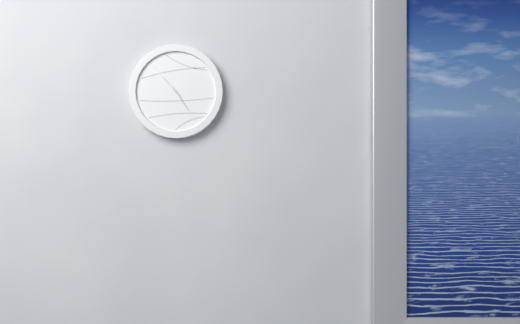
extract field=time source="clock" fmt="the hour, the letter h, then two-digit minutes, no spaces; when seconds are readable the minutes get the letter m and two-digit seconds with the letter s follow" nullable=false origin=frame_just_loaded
4h53
